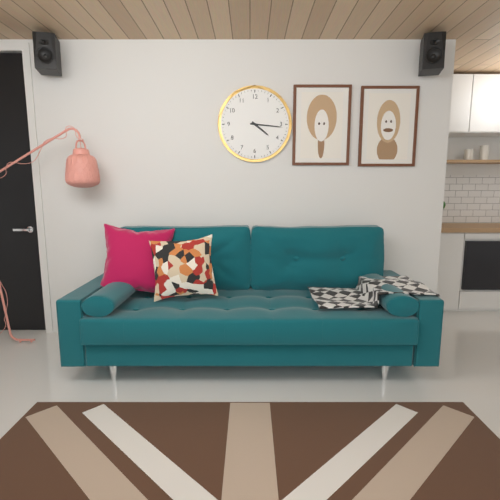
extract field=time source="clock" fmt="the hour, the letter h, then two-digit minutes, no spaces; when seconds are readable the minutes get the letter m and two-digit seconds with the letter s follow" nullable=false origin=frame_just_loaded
4h16
